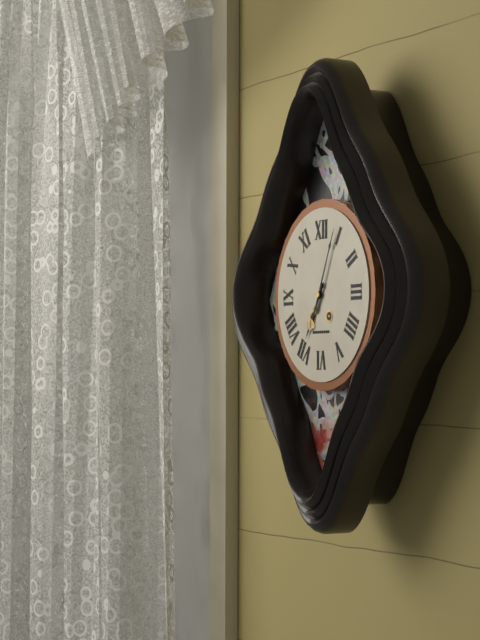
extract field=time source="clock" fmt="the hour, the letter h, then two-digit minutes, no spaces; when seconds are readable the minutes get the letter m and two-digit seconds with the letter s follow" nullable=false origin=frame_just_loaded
7h04
